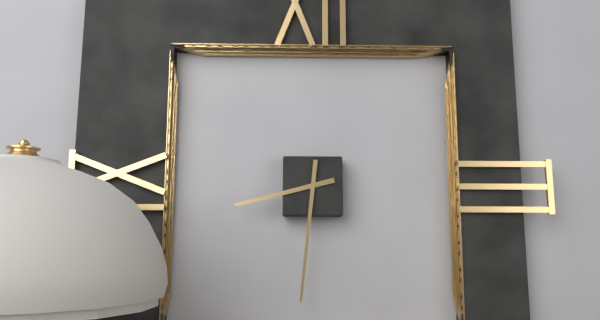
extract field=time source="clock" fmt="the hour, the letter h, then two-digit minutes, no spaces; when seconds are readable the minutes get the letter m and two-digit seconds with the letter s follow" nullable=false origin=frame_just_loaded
8h31
